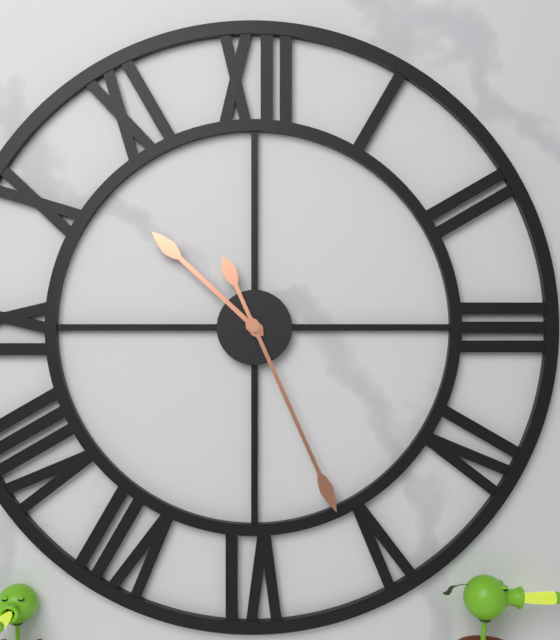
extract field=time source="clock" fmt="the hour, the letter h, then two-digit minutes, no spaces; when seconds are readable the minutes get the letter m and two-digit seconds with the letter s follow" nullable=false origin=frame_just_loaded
10h26
